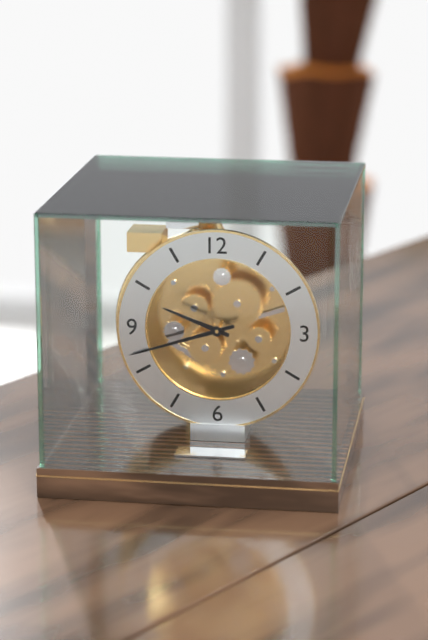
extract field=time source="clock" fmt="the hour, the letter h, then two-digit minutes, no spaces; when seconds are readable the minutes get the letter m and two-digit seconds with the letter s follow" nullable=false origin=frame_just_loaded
9h42
